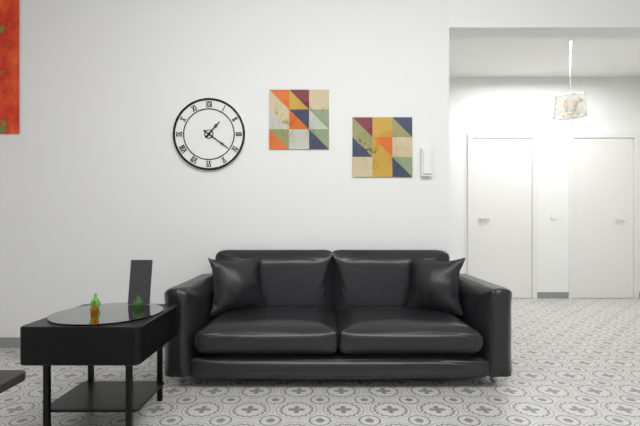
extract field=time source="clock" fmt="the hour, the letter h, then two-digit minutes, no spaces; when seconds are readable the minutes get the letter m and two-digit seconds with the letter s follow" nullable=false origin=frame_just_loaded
1h21
